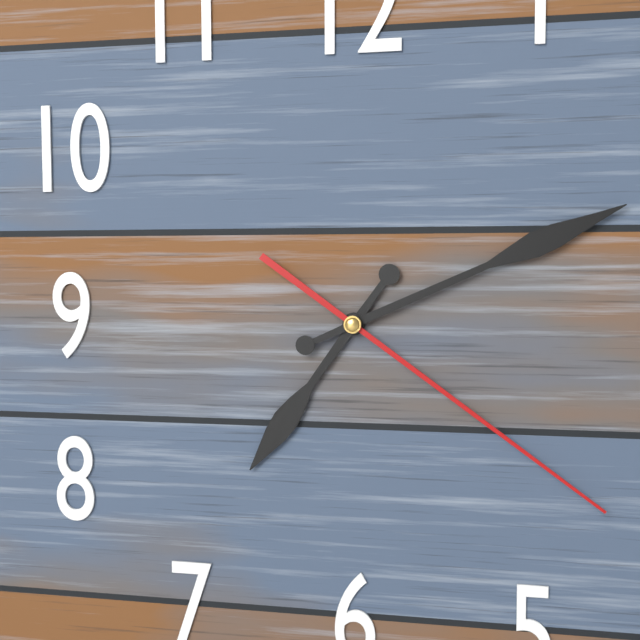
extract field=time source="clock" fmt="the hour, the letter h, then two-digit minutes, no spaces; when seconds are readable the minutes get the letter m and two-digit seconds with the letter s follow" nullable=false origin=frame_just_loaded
7h11m21s
